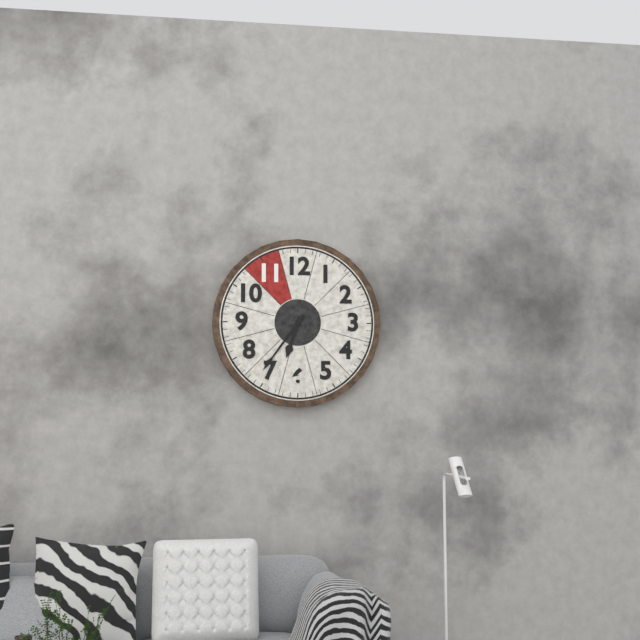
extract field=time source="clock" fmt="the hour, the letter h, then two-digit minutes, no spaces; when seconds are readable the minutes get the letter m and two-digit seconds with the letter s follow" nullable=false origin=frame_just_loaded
6h36
